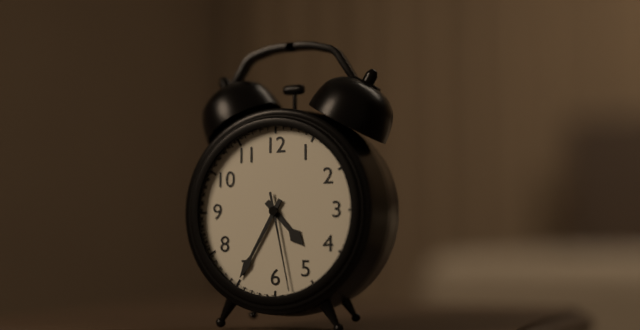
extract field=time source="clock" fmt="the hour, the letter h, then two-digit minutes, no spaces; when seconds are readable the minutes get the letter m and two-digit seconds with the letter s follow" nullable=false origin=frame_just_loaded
4h35m28s
